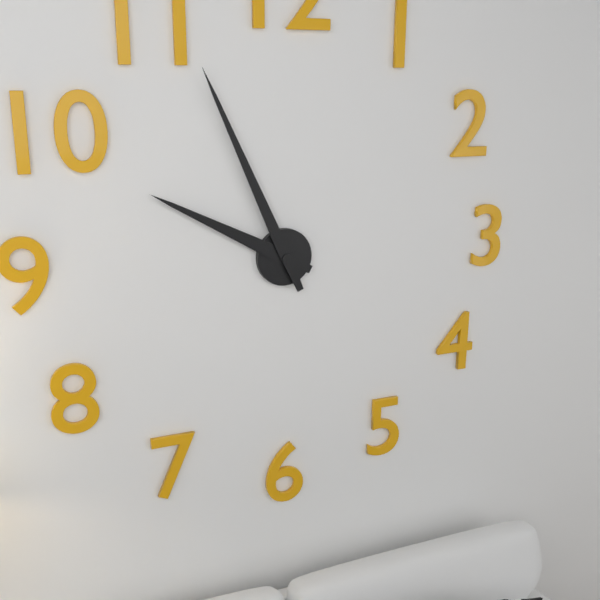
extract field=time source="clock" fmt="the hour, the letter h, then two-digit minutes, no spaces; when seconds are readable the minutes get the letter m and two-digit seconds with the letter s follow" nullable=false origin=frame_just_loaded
9h56
